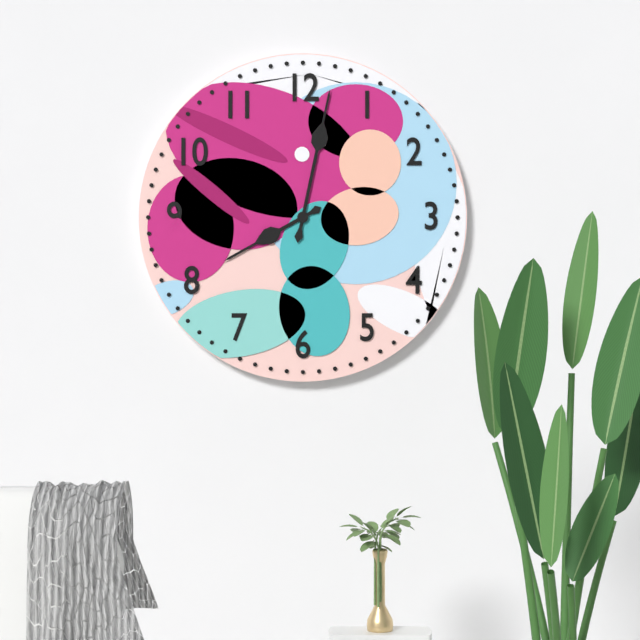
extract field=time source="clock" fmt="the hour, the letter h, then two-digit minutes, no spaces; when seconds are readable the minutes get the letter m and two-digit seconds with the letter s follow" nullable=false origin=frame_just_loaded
8h02
